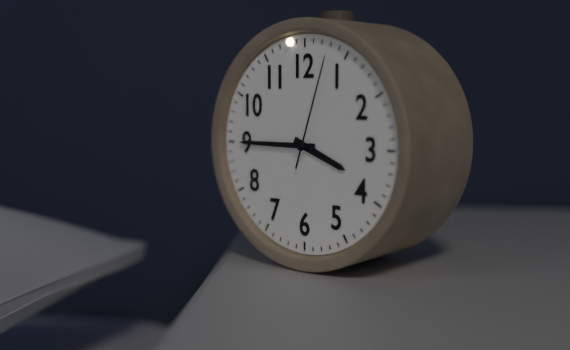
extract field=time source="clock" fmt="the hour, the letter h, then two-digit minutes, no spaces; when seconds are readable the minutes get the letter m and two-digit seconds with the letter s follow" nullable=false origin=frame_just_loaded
3h45m03s
